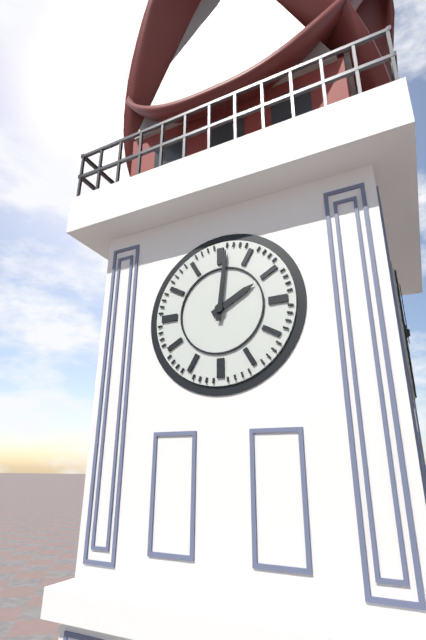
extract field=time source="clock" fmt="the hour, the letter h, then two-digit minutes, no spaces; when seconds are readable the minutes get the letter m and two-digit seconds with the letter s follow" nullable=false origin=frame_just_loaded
2h01
